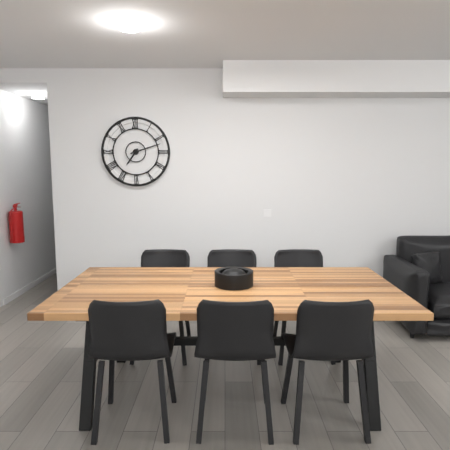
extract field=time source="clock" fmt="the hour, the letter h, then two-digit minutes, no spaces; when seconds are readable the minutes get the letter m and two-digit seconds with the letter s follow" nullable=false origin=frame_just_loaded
7h12
